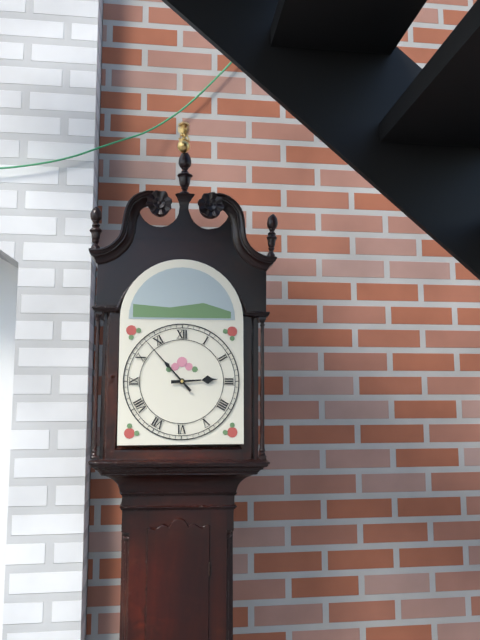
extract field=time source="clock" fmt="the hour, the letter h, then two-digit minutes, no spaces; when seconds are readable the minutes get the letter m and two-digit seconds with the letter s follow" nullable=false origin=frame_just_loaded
2h53
